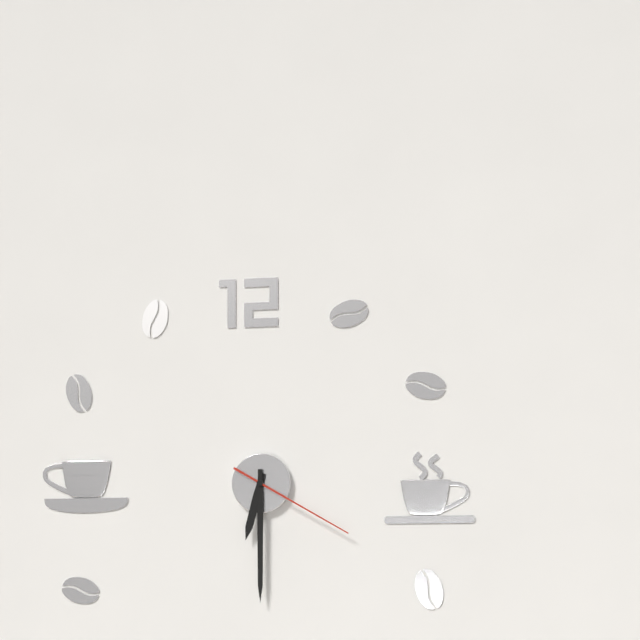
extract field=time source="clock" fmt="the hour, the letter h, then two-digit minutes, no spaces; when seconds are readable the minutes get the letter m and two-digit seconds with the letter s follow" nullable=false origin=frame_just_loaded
6h30m20s
